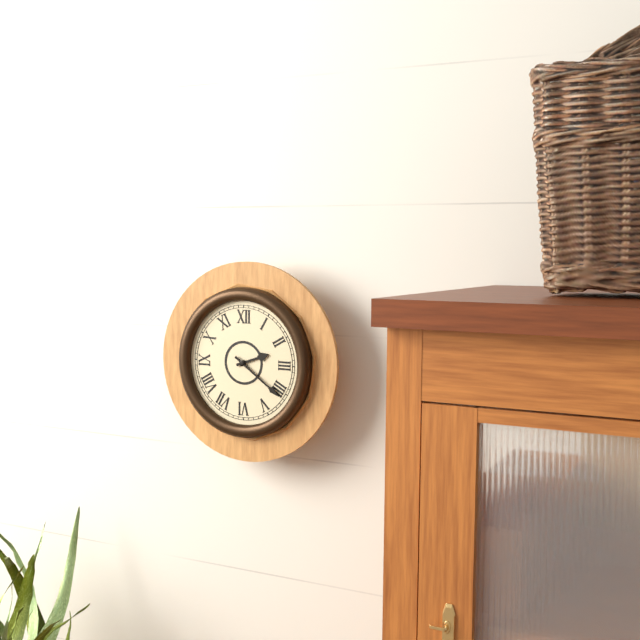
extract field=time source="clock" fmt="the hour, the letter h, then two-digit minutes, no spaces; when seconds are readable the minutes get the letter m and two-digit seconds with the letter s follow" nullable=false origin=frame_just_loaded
2h21
